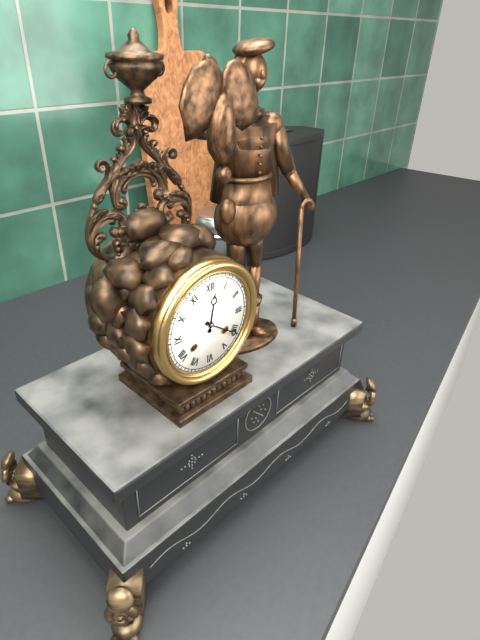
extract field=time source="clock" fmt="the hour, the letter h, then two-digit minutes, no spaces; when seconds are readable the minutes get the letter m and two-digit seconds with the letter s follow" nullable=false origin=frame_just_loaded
12h21
